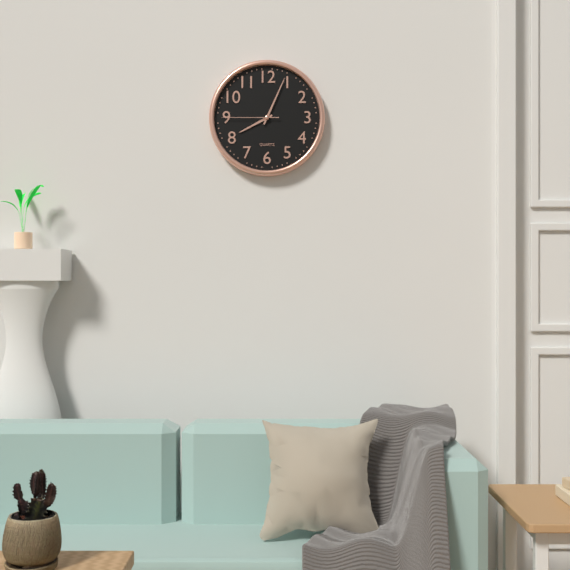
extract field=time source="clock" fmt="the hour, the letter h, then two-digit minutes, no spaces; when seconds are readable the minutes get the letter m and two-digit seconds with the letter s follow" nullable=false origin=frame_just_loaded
8h04m45s
